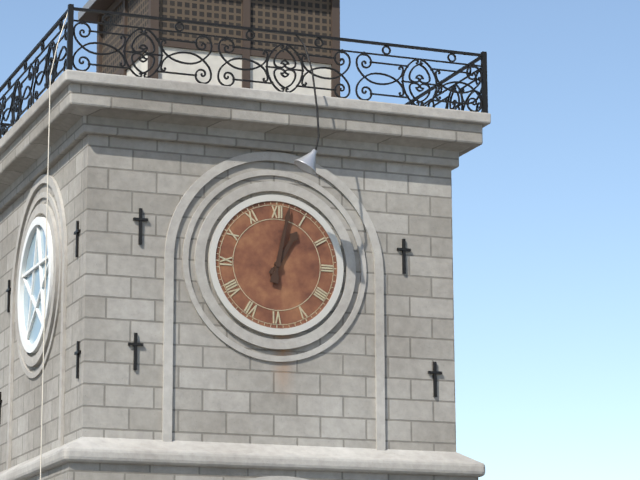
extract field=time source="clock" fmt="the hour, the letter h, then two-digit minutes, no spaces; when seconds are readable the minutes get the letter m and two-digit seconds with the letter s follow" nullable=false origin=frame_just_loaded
1h02
